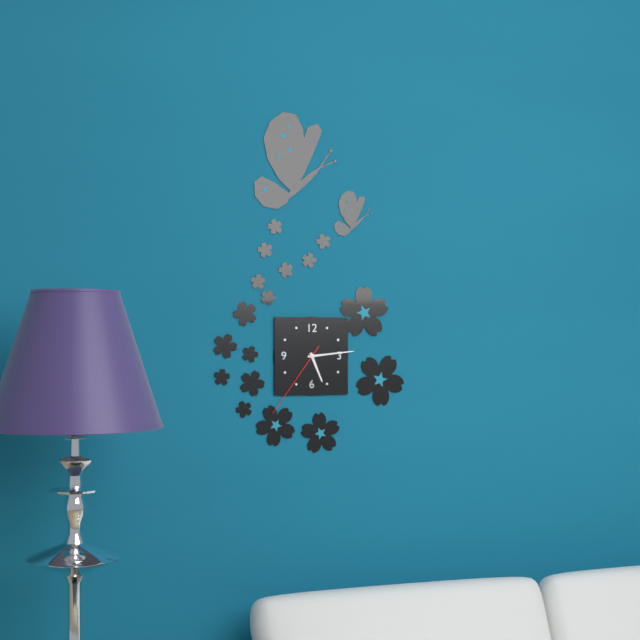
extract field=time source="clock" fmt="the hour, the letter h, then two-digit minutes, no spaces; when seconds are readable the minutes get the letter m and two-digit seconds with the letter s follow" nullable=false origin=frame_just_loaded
5h14m36s
